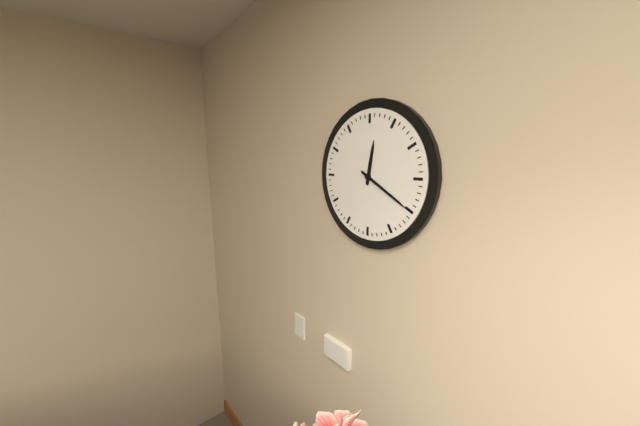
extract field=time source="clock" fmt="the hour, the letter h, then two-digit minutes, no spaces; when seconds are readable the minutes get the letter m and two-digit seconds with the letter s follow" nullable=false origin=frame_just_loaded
12h20
